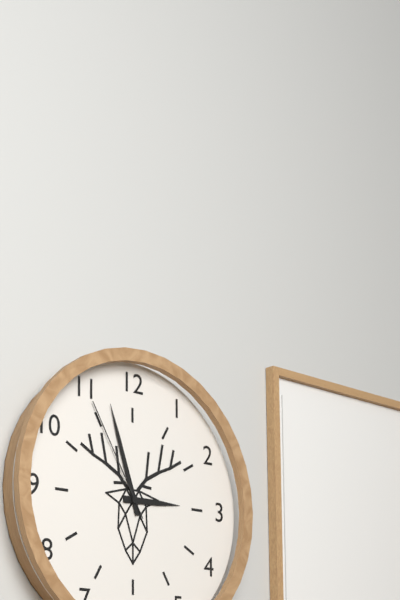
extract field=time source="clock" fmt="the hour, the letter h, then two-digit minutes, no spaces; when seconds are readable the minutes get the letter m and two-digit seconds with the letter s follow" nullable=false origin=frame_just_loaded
2h57m55s
